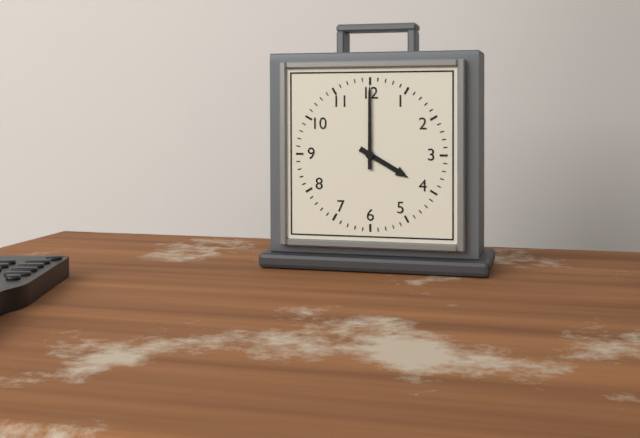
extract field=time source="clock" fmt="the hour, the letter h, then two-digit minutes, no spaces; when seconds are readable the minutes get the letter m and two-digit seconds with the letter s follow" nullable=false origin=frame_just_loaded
4h00
